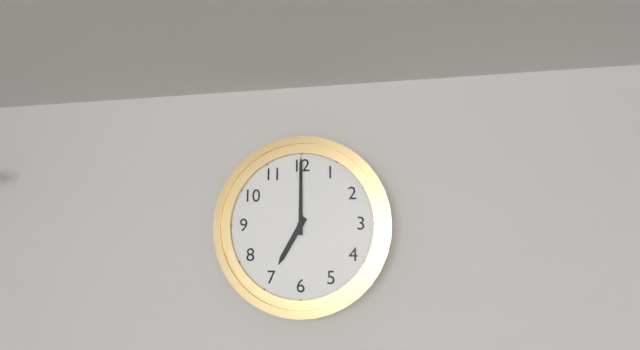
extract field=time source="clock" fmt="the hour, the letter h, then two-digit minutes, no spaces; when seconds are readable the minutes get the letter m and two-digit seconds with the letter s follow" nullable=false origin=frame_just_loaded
7h00
